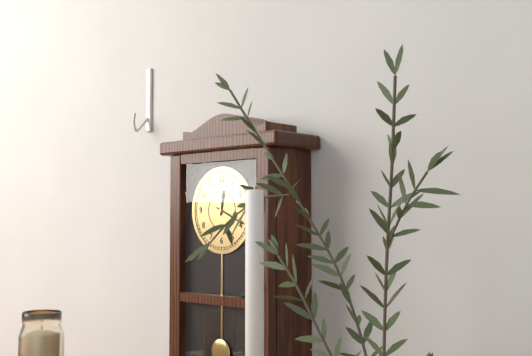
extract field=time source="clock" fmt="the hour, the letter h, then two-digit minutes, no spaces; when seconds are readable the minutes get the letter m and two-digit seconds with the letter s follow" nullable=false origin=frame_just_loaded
12h19
